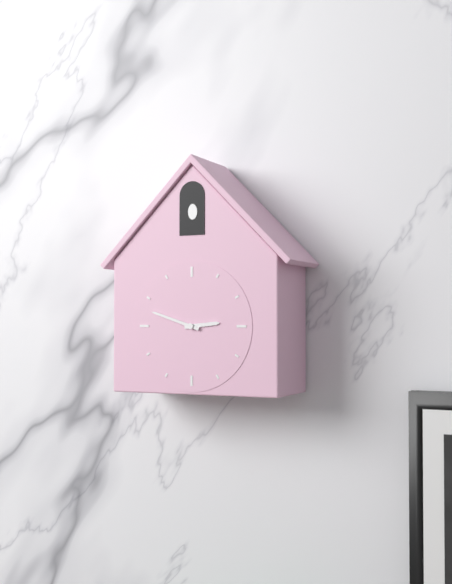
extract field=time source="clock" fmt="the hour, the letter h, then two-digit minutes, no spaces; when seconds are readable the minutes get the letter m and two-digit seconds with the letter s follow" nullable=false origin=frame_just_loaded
2h48
